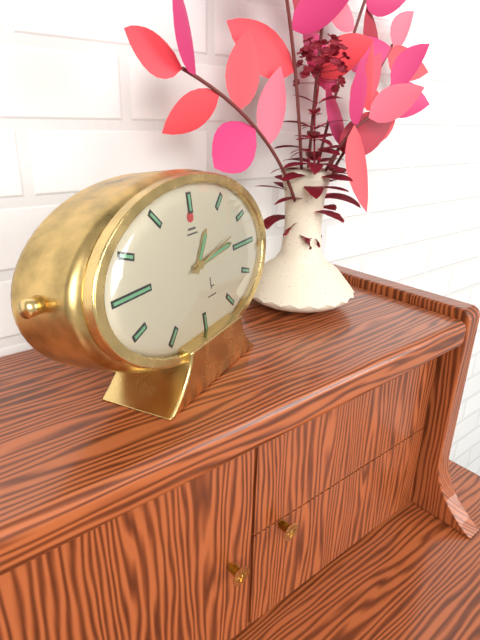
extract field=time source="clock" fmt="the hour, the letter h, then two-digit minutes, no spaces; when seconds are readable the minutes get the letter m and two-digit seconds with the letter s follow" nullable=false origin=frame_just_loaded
1h14m13s
